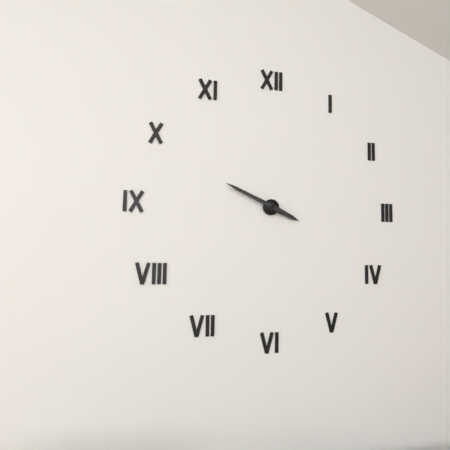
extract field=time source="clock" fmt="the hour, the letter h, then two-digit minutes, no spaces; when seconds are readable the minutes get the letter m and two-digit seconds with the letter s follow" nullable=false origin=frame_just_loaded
3h49
